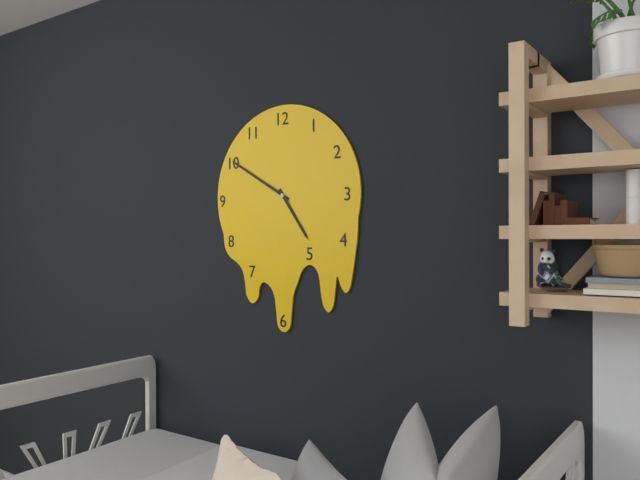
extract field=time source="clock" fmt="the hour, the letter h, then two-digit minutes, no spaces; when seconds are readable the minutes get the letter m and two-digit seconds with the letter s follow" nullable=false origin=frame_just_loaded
4h50
